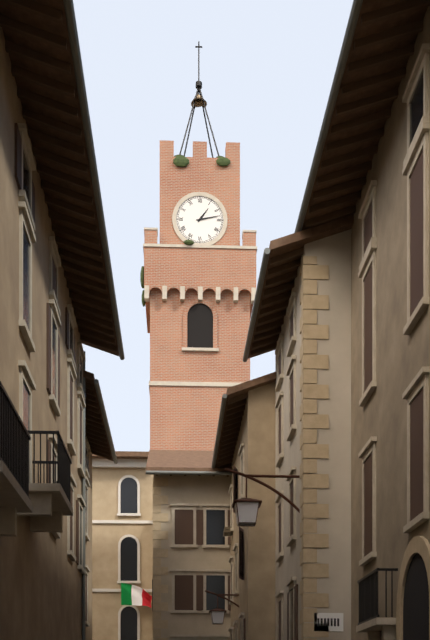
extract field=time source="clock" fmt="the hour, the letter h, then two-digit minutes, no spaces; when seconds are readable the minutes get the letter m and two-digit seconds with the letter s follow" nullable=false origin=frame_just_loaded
1h13
